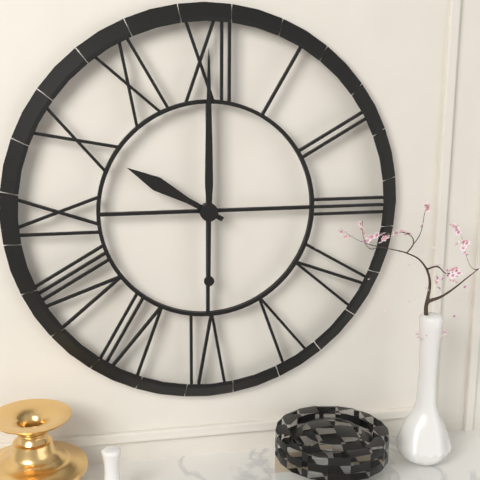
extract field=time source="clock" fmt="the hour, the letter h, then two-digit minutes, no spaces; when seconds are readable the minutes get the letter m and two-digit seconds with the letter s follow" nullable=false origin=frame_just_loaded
10h00
